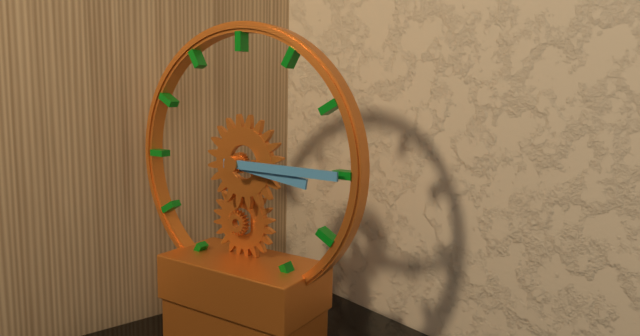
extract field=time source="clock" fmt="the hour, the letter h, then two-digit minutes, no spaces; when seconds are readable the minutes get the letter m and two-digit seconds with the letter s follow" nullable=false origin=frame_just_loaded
3h15
